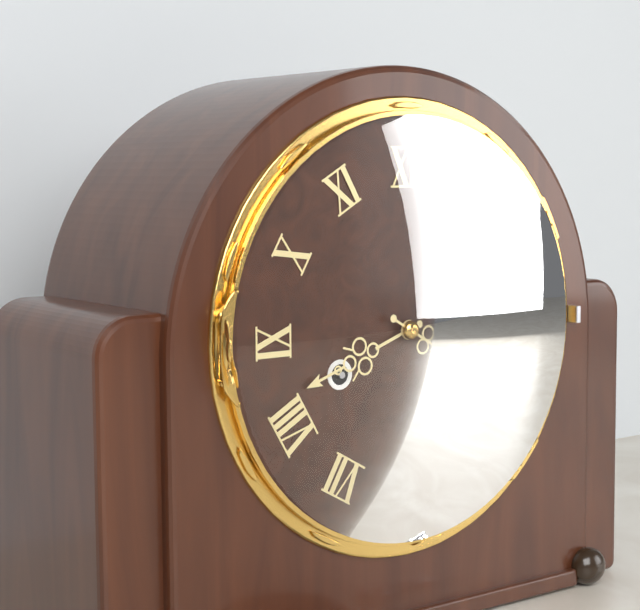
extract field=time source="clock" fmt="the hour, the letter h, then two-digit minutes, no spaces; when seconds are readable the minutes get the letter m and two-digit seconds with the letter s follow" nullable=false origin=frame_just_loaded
8h20
